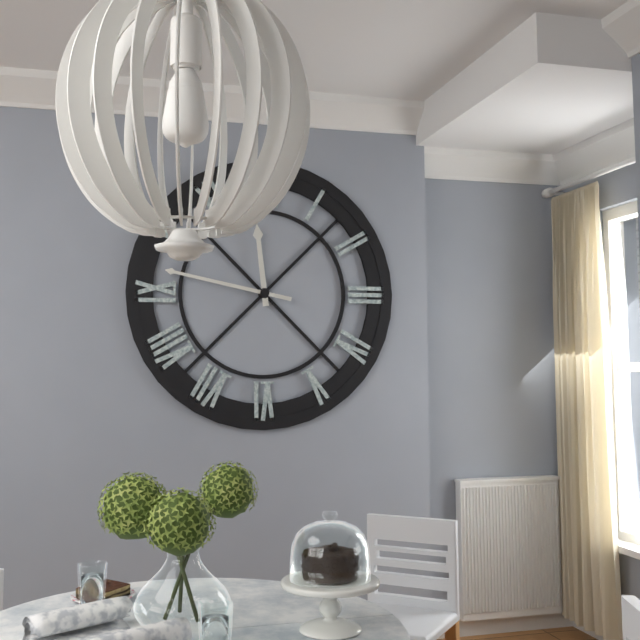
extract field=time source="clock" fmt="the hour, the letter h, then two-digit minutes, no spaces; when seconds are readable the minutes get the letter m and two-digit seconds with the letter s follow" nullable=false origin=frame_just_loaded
11h47
